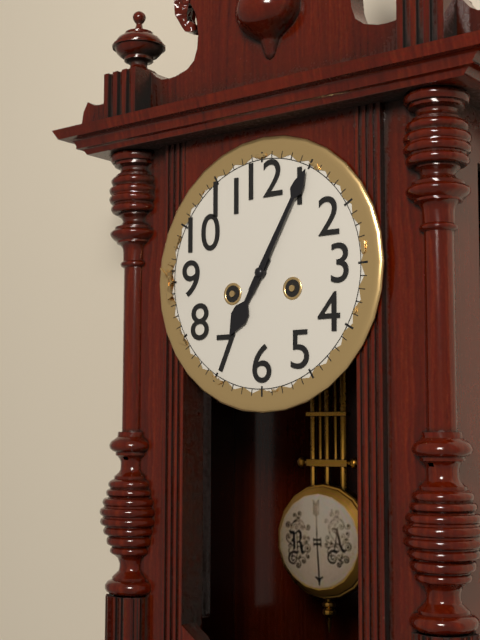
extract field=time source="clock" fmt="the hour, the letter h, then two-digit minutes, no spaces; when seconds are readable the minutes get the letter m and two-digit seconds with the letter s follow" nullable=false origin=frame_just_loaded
7h05
